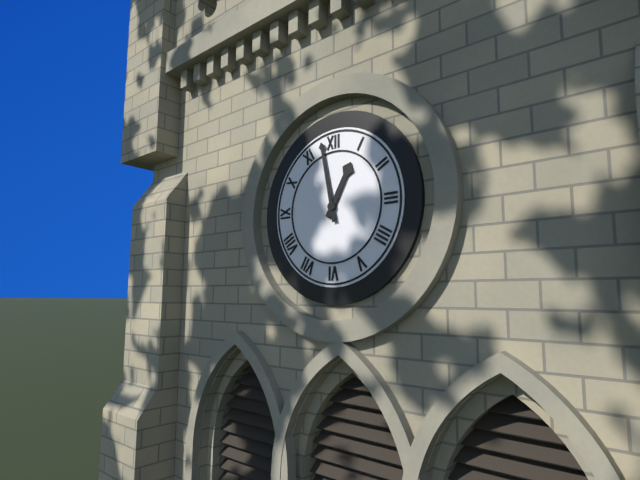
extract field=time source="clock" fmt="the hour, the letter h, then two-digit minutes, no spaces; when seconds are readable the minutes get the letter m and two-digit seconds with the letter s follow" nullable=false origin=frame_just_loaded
12h58
